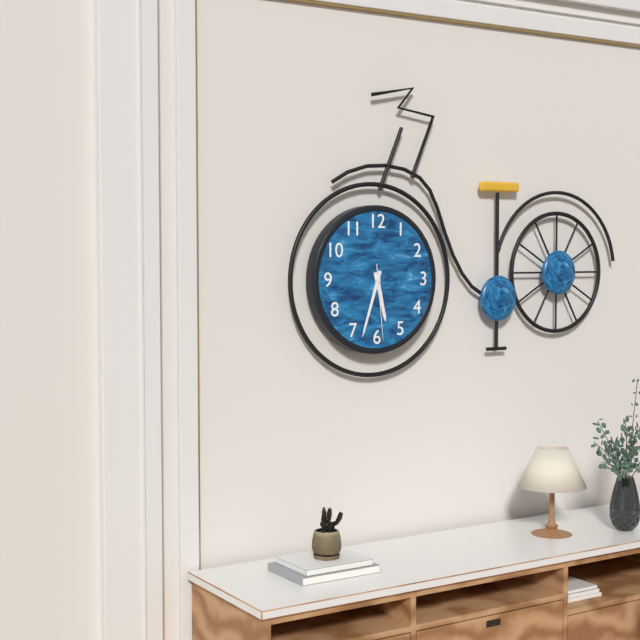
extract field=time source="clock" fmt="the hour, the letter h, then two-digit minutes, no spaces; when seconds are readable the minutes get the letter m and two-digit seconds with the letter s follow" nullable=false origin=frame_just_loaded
5h33m29s
